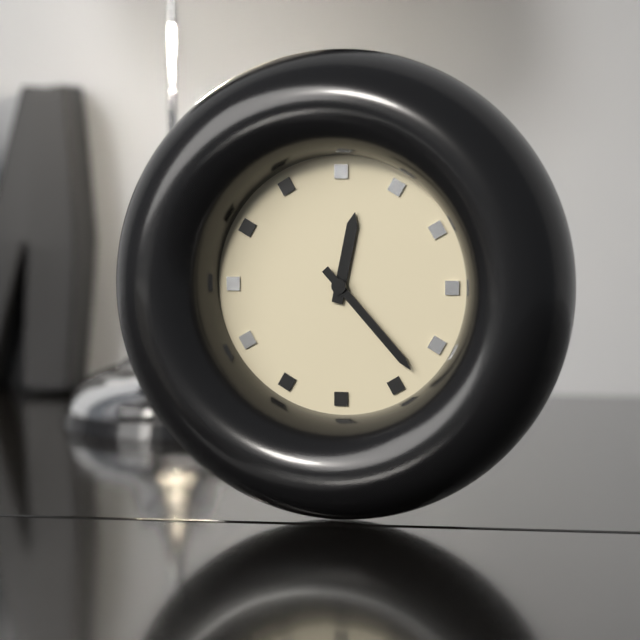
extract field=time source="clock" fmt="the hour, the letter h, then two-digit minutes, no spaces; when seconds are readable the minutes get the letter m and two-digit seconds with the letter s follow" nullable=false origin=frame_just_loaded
12h23
